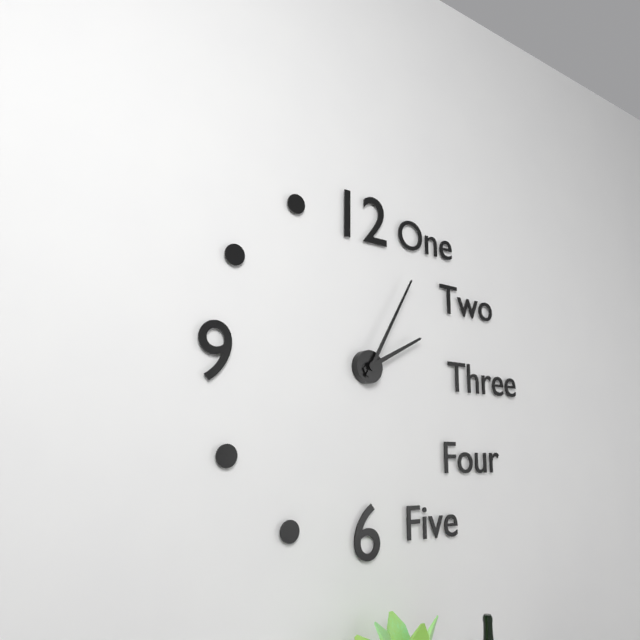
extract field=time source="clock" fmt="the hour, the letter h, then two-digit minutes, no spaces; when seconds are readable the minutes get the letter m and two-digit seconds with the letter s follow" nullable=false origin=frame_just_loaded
2h05
